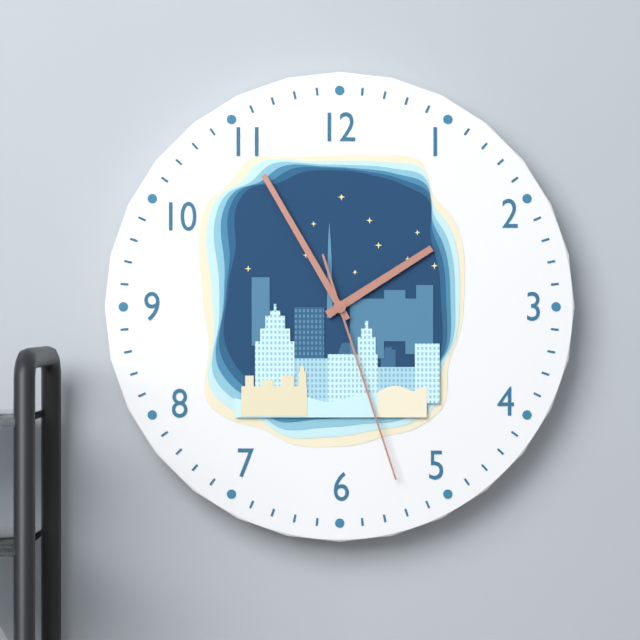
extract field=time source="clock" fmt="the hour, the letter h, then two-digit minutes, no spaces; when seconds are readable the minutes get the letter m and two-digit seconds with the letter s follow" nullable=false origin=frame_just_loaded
1h55m27s
